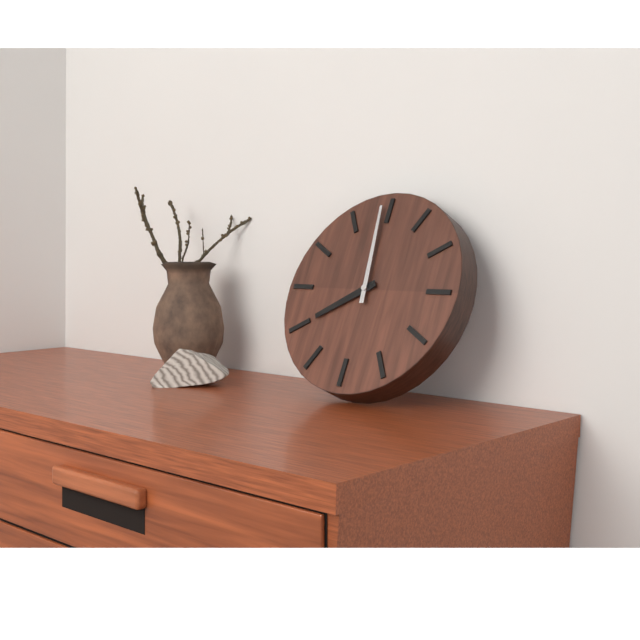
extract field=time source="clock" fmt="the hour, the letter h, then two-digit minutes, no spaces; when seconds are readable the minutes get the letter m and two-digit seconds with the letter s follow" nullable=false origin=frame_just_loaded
7h59
